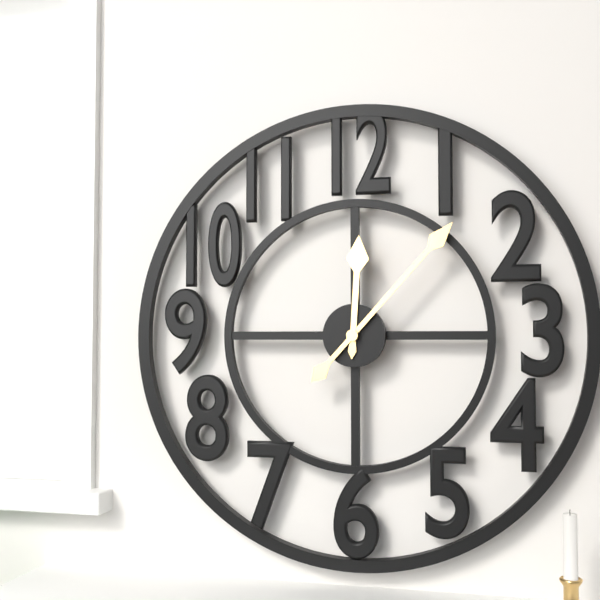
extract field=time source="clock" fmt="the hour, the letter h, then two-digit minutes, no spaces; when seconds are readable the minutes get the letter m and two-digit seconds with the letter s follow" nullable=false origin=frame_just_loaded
12h07
